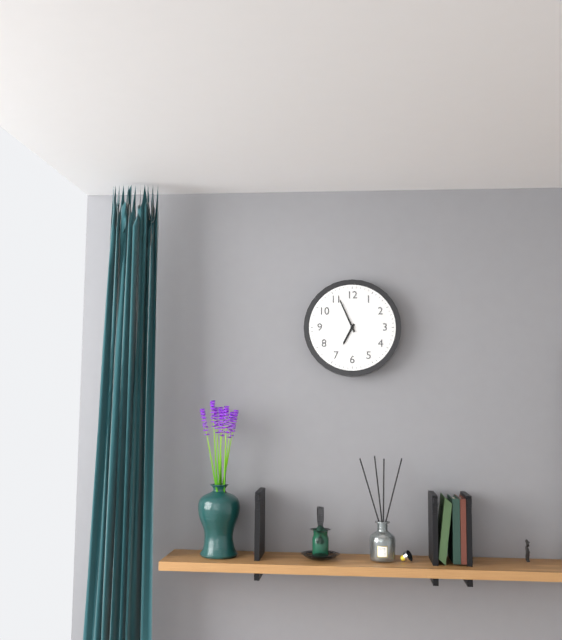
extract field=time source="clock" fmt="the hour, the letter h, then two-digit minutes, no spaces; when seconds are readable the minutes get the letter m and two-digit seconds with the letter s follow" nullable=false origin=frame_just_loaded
6h56
